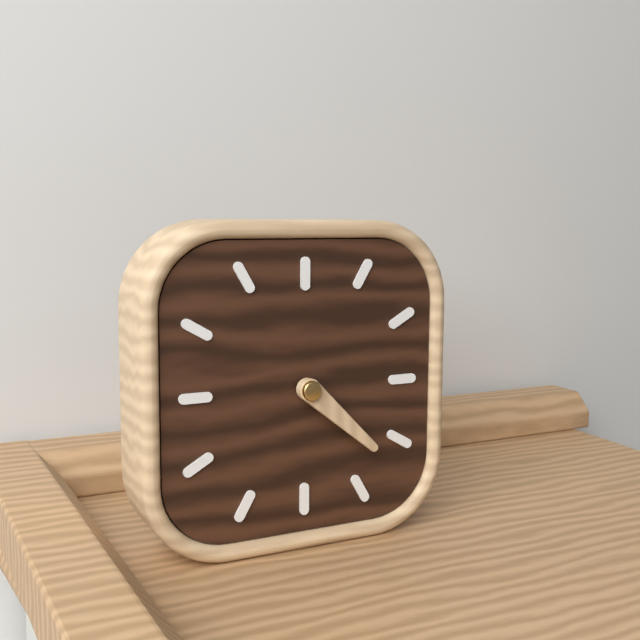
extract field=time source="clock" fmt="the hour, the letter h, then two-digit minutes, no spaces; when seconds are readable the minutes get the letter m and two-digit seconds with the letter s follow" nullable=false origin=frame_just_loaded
4h22
